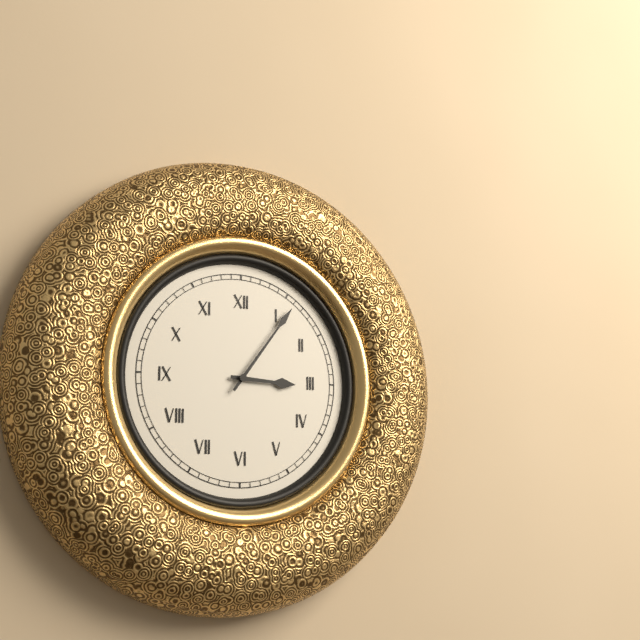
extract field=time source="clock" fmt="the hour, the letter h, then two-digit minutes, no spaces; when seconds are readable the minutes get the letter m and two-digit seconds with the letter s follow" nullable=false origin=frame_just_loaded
3h06
